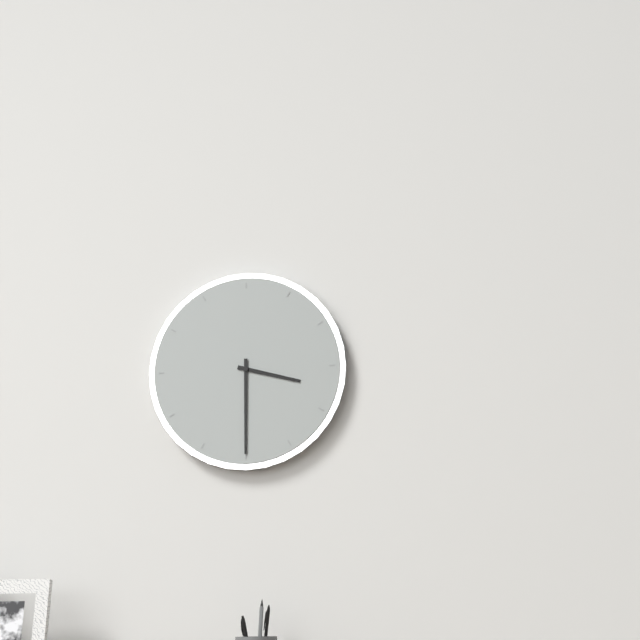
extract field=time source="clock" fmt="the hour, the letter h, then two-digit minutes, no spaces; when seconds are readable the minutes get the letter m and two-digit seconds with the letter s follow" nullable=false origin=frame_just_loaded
3h30
